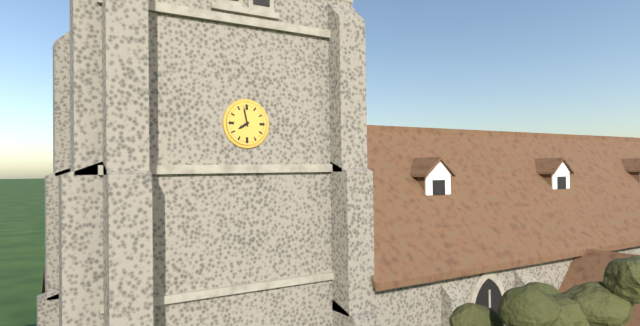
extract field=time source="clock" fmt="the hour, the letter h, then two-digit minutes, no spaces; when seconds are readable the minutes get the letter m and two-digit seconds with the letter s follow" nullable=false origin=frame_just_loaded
7h58
